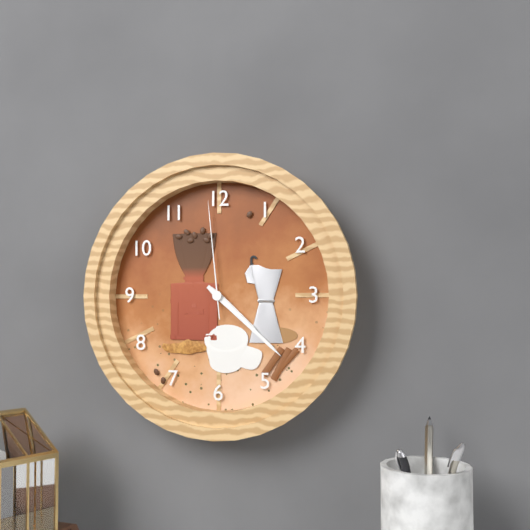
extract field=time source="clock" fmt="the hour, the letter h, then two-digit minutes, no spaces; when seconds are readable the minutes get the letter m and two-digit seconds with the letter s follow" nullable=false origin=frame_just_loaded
4h22m59s
